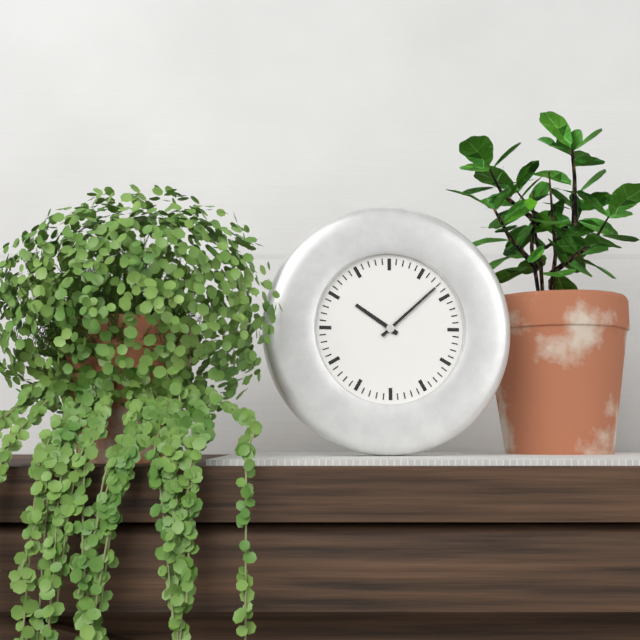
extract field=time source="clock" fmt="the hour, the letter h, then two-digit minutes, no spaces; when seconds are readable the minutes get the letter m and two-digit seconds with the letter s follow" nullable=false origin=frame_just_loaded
10h08
